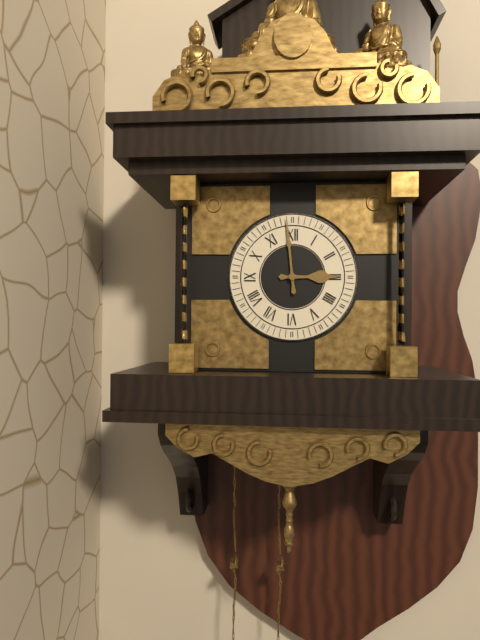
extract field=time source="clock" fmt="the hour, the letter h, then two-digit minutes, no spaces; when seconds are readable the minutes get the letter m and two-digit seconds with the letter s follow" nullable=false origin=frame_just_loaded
2h59
